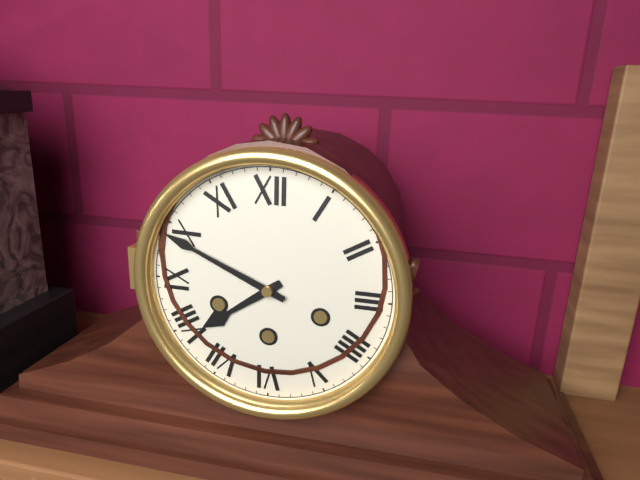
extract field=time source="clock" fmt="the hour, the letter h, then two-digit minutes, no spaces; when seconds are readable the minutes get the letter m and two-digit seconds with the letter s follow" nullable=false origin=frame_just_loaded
7h49
